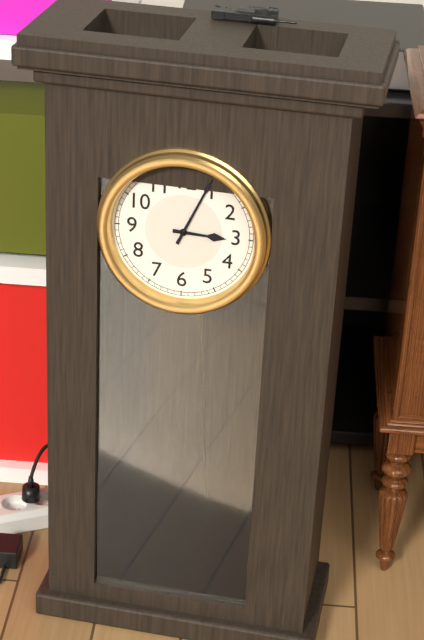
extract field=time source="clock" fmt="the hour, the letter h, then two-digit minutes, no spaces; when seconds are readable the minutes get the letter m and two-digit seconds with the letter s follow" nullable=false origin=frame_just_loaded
3h04
